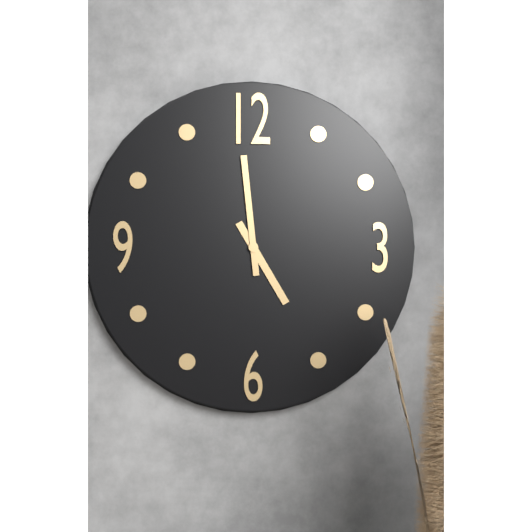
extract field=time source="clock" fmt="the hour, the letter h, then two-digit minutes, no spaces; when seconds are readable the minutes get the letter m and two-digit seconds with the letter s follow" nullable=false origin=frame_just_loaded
4h59
